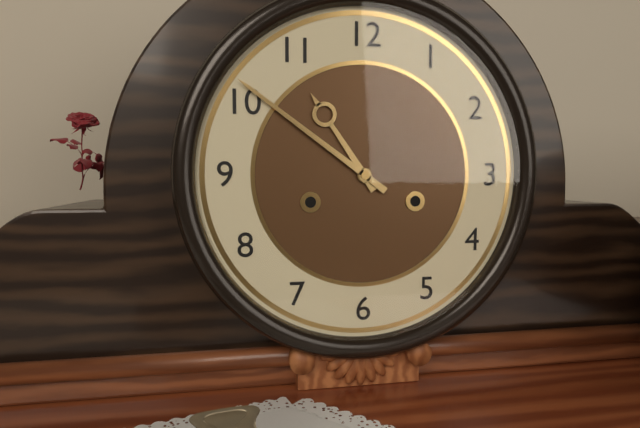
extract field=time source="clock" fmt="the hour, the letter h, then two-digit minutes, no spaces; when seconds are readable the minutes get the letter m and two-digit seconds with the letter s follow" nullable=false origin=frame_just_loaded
10h51
